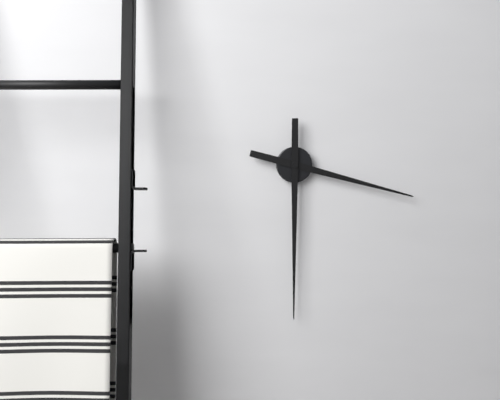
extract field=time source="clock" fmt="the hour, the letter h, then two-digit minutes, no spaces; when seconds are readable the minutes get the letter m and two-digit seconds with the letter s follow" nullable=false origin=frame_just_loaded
3h30
